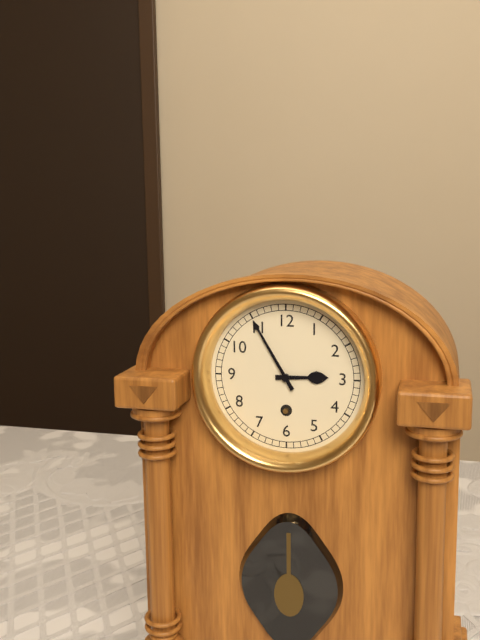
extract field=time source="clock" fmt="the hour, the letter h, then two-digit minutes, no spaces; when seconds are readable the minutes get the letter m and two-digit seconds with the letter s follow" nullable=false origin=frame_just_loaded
2h55
